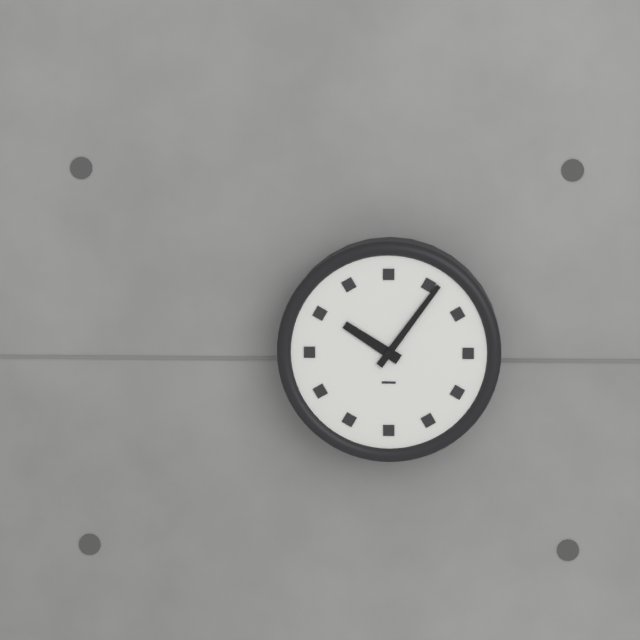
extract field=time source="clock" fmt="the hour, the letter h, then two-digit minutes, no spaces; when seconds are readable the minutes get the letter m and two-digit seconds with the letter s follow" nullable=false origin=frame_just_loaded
10h06
